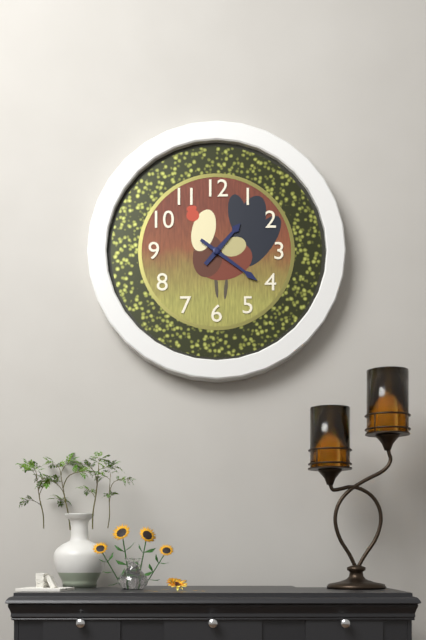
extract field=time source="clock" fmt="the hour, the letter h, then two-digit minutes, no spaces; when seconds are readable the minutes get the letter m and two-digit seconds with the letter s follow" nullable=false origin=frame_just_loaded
1h21
